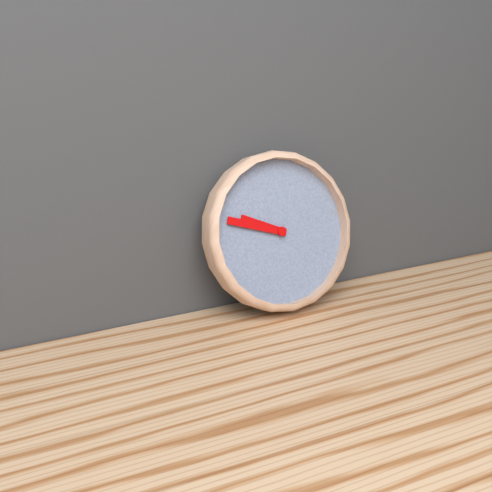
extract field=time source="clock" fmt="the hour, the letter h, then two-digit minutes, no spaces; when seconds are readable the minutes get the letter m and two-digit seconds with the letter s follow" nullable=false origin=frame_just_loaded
9h48
